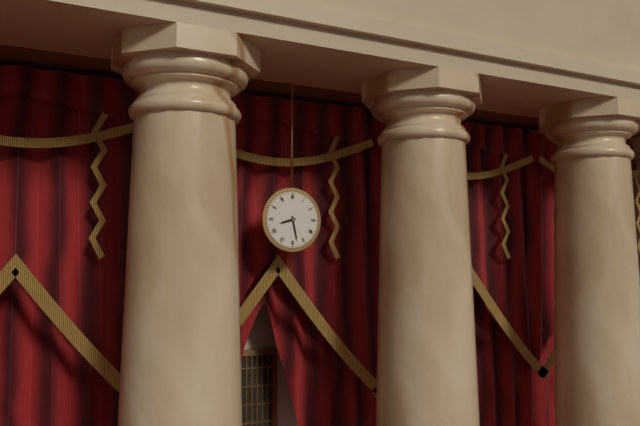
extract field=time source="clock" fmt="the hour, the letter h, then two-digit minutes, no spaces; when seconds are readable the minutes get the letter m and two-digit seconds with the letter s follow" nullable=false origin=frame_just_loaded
8h28
